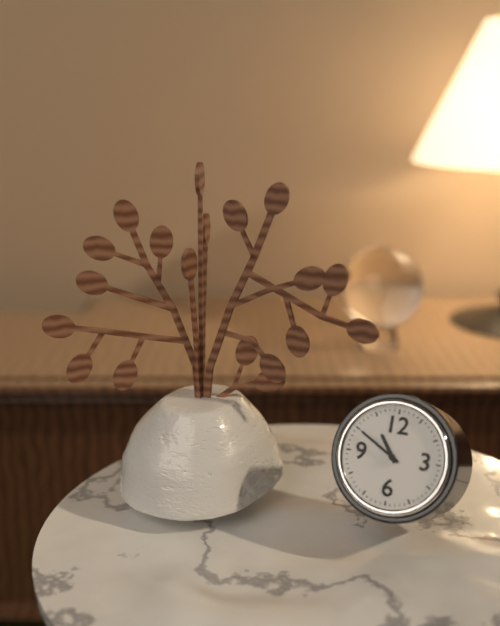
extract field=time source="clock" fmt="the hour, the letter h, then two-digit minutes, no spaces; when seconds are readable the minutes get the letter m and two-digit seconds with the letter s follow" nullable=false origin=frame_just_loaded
10h50
